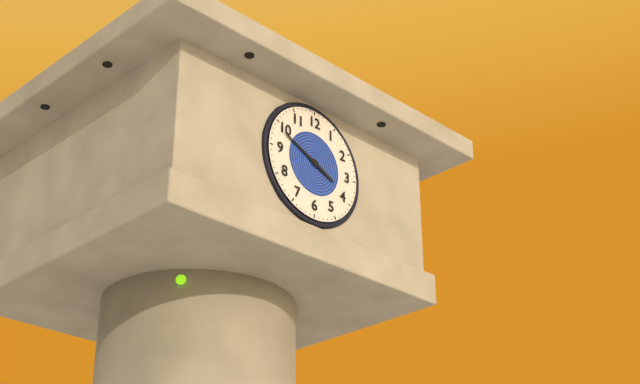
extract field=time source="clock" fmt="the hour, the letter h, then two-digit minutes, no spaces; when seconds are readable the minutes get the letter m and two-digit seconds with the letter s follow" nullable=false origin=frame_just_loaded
3h49
